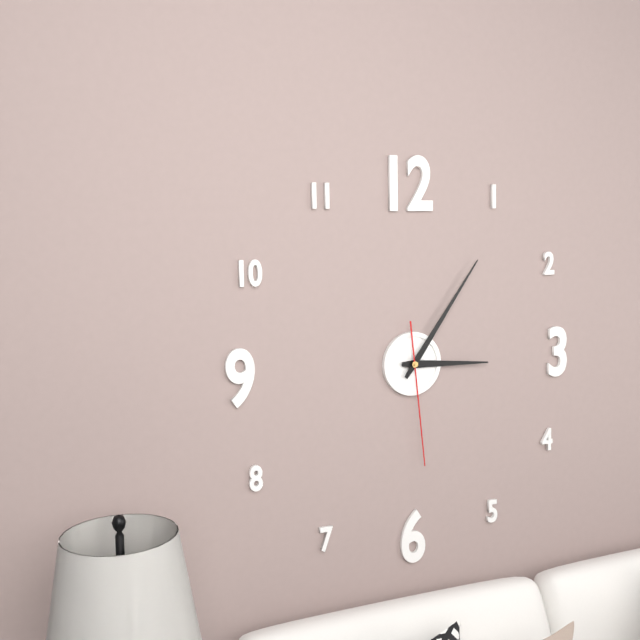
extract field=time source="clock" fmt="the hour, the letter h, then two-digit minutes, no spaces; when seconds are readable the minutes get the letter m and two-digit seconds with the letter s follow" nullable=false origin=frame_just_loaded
3h06m29s
